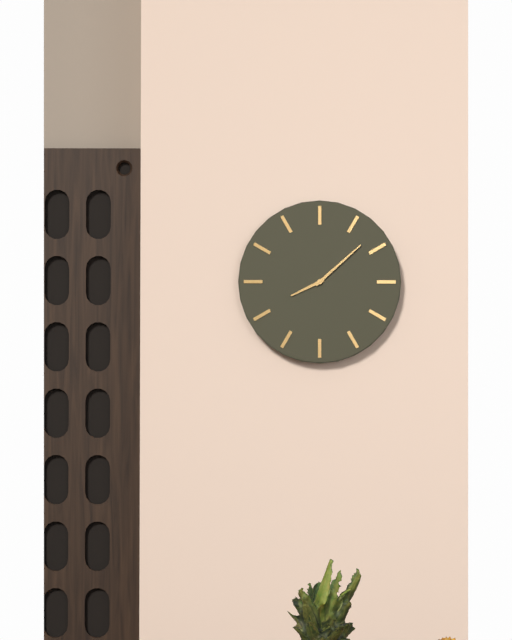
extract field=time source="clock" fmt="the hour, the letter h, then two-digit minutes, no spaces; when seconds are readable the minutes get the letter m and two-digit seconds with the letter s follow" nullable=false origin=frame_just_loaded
8h08
